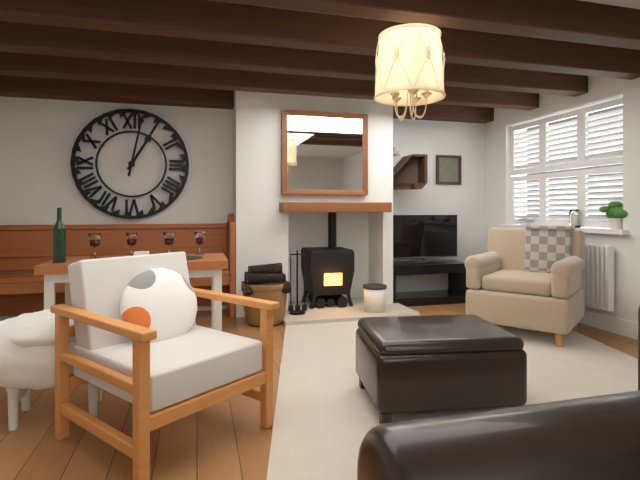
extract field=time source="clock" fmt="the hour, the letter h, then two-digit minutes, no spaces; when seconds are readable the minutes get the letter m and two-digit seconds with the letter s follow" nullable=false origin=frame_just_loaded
1h02
